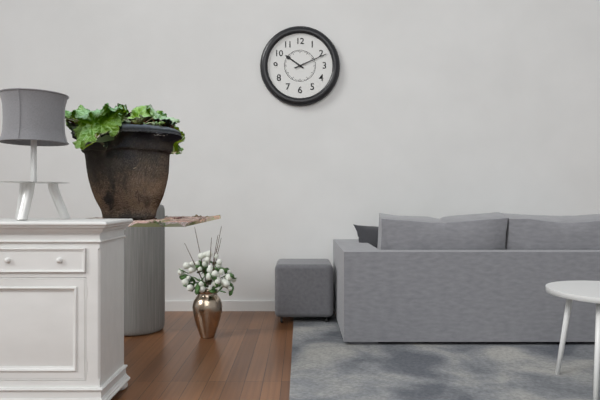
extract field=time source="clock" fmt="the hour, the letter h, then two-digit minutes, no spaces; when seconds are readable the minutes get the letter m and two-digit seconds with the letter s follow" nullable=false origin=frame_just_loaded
10h11
